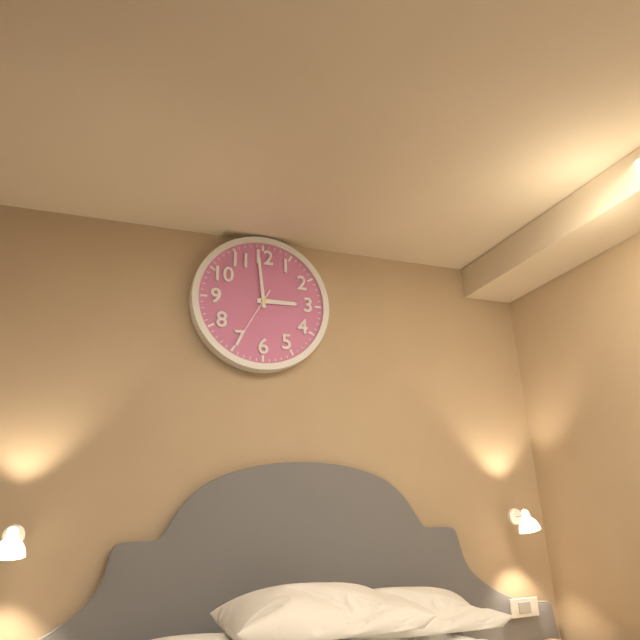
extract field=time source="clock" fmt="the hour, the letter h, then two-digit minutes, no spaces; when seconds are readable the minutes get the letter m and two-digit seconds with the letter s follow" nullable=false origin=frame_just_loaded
2h59m35s
